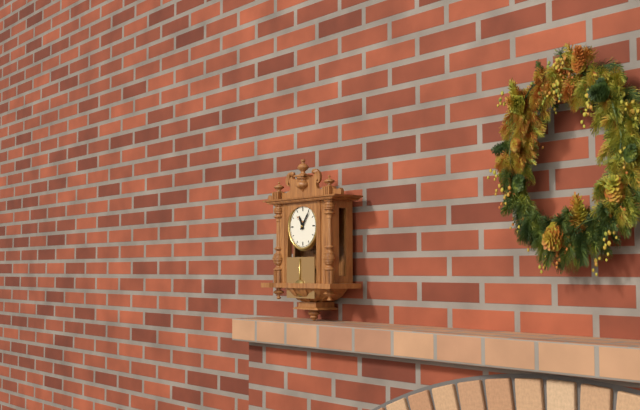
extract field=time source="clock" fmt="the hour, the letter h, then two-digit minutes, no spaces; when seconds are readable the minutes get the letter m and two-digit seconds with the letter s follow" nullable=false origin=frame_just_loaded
11h06
